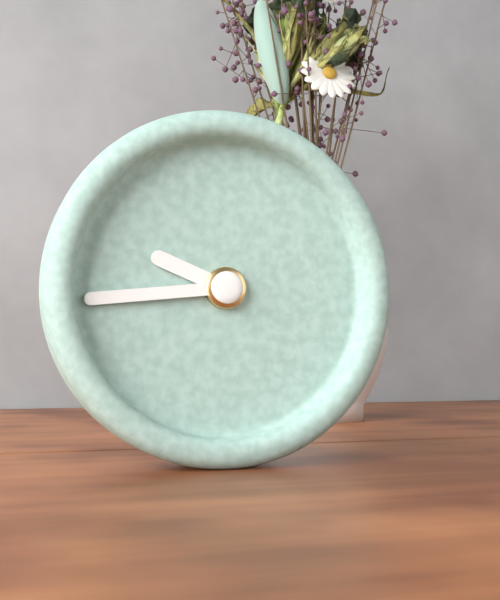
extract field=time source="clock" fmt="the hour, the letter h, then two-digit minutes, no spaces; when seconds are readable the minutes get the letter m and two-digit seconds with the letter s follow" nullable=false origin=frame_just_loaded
9h44
